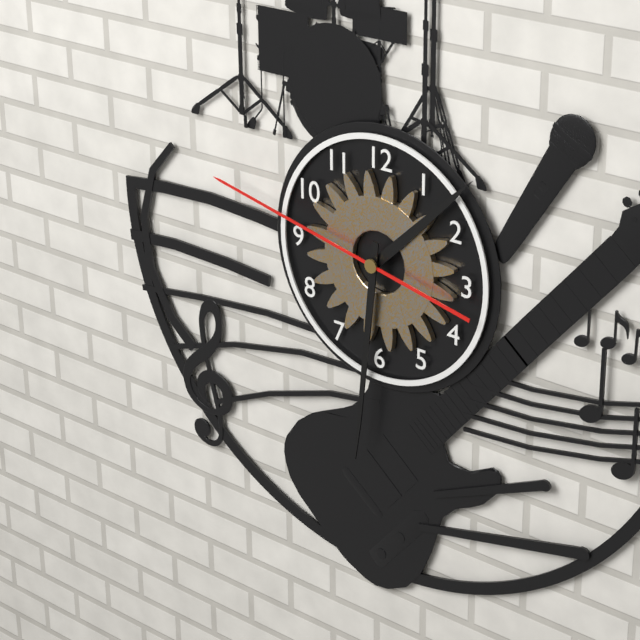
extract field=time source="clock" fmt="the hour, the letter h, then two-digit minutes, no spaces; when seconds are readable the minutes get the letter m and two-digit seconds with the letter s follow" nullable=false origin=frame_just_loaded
1h31m47s
